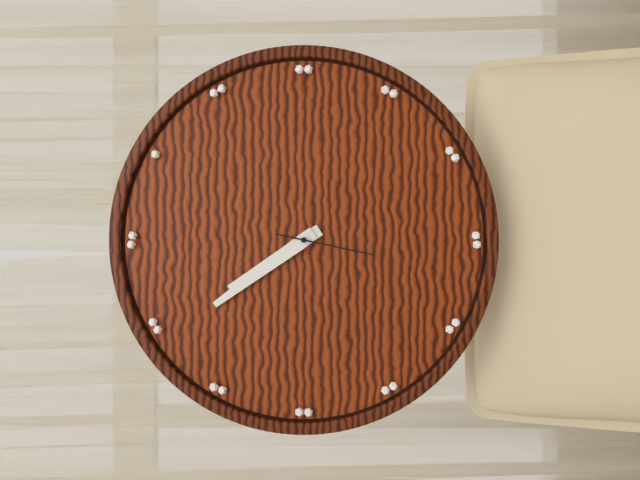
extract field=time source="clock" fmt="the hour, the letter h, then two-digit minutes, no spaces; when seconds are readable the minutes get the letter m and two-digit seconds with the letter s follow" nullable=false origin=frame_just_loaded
10h54m32s
